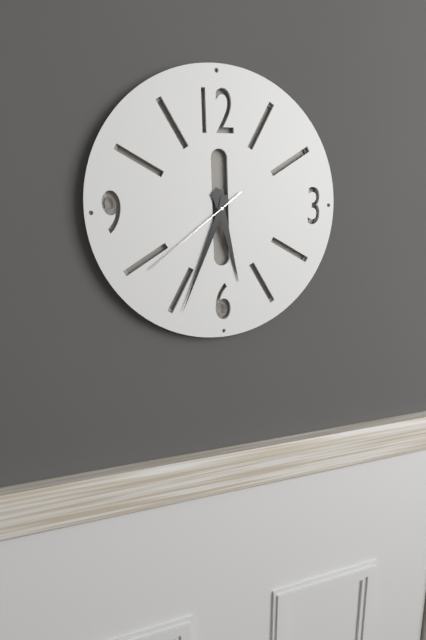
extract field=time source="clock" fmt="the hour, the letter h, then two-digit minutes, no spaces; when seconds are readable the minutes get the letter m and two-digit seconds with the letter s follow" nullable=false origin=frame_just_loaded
5h34m39s
